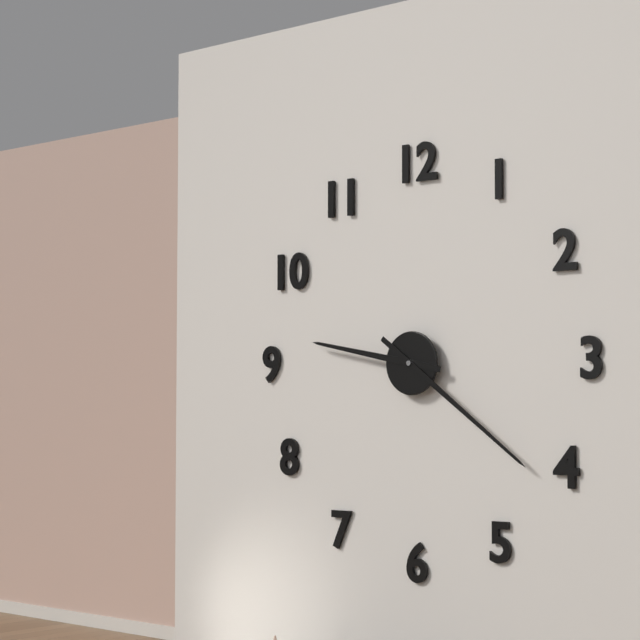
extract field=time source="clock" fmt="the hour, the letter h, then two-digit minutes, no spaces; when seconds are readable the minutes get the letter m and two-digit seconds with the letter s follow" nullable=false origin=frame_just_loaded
9h21
